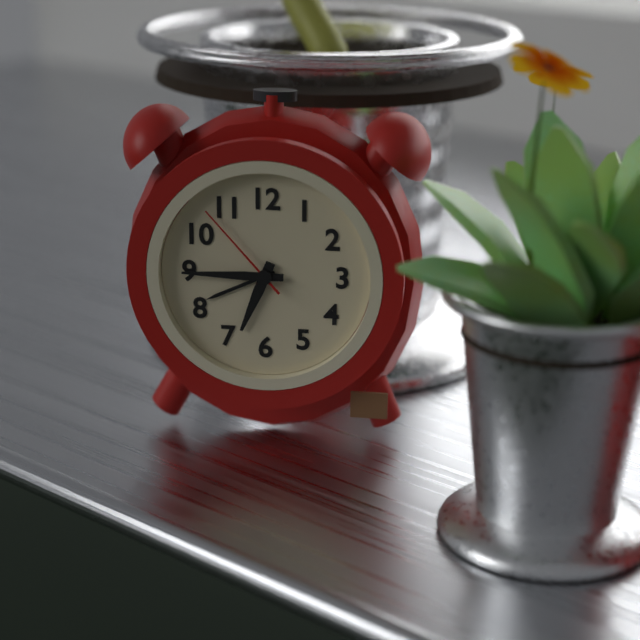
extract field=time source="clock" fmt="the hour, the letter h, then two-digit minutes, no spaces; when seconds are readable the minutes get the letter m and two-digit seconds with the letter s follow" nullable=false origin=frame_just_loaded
6h45m53s
